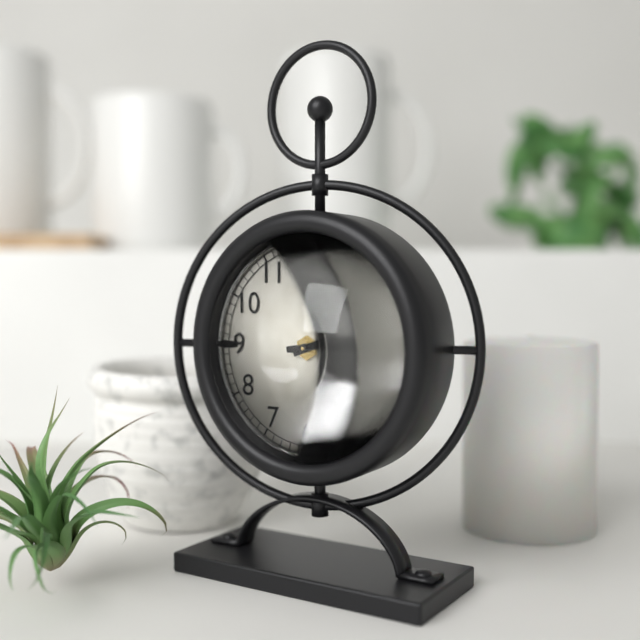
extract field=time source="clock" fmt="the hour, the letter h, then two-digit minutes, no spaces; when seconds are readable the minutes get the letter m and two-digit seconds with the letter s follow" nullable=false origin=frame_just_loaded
2h14
